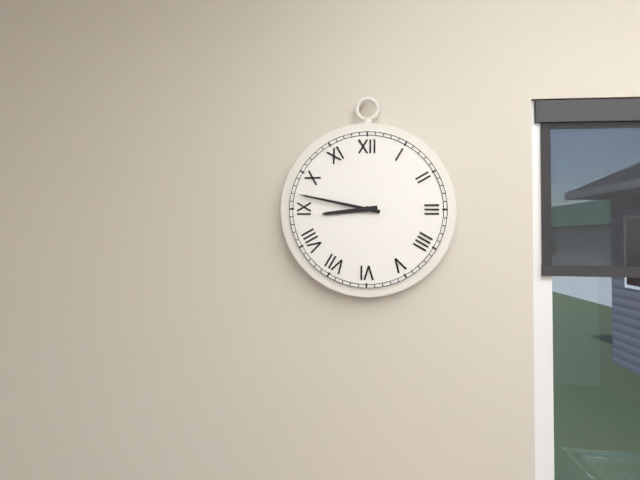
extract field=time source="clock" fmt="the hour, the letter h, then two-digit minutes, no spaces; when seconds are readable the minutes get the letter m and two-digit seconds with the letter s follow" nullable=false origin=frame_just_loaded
8h47
